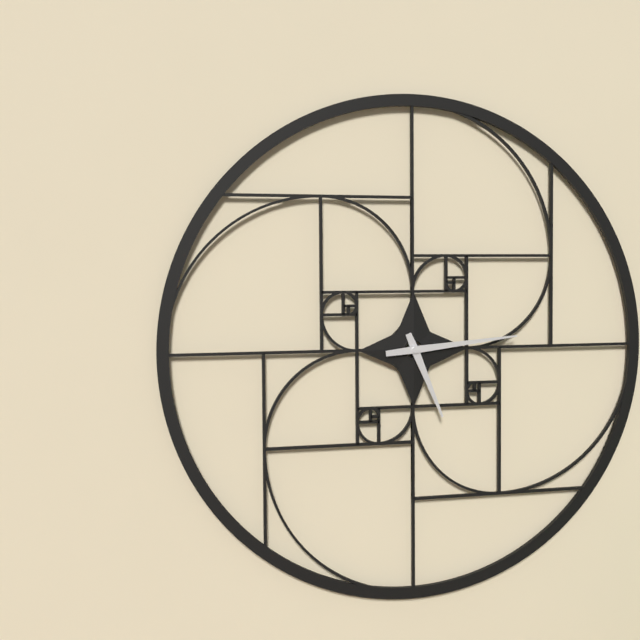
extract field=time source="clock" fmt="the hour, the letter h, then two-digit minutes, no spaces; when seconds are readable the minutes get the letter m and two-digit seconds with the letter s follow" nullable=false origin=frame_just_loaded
5h14
